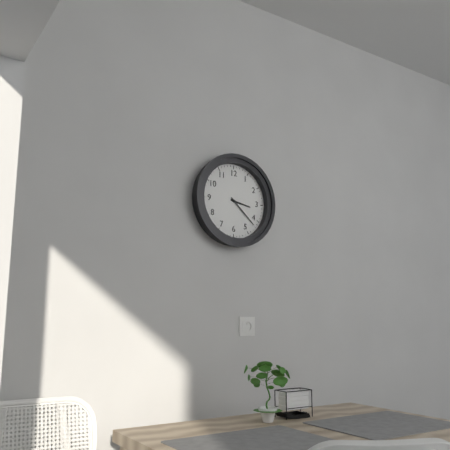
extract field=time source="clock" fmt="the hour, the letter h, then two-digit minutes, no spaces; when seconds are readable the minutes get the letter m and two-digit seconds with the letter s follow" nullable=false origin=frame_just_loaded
3h22
